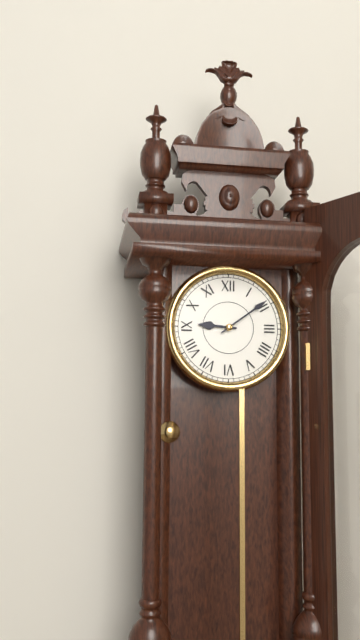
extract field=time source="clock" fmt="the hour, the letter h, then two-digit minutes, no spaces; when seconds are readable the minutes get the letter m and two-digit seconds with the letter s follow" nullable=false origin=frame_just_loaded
9h09
